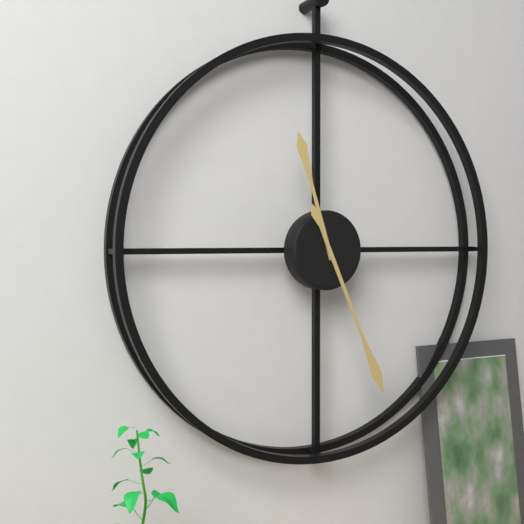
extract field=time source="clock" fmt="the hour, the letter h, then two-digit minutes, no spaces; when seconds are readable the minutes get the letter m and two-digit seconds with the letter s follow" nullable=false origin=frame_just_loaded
11h26
